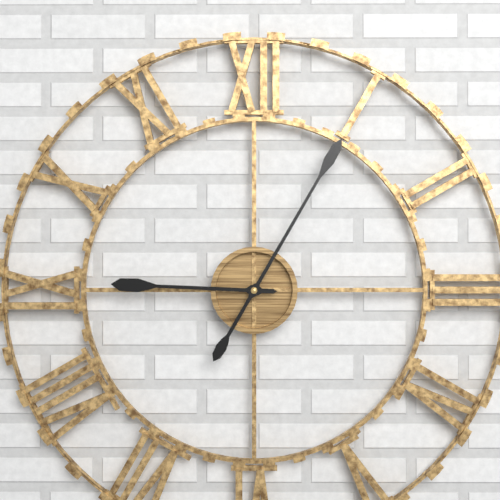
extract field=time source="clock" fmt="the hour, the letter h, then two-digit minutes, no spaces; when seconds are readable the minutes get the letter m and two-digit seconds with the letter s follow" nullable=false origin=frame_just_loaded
9h05
